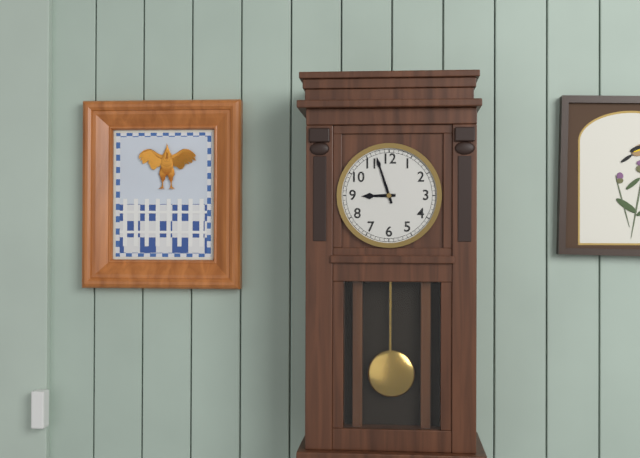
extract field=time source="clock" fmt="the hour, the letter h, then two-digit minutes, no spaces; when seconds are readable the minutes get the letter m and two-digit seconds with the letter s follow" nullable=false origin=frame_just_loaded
8h57
